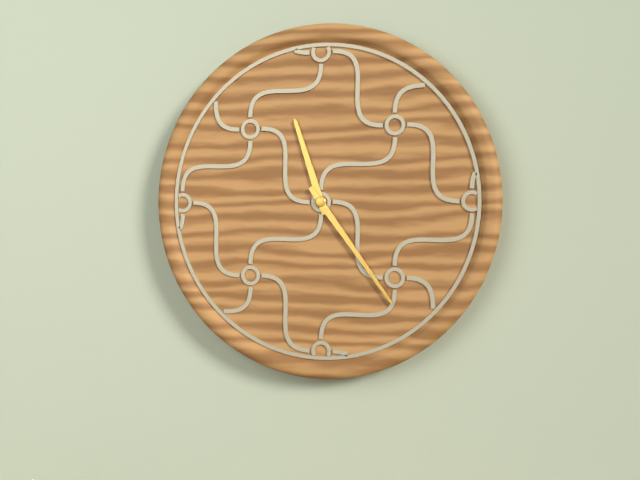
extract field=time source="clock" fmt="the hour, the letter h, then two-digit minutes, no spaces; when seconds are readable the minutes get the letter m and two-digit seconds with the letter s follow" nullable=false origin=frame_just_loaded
11h24
